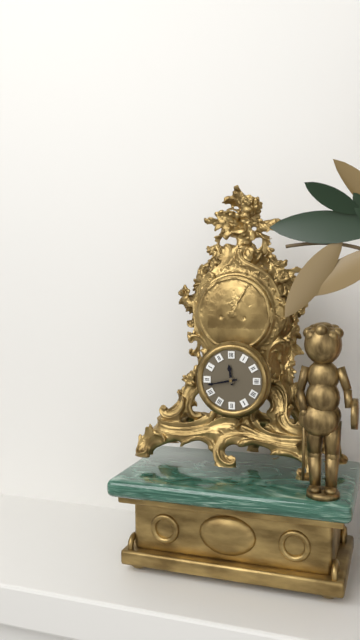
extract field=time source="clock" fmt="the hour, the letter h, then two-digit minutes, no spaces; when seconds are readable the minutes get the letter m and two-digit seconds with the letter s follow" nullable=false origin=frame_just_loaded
11h43
